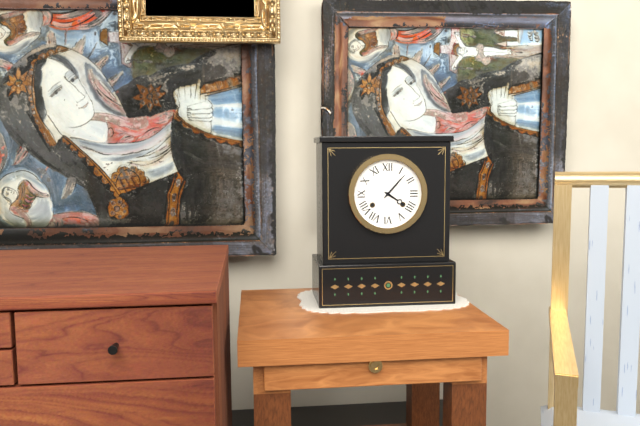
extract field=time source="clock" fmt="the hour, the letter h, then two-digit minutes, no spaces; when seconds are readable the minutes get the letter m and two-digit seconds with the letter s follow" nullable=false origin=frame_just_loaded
4h07
